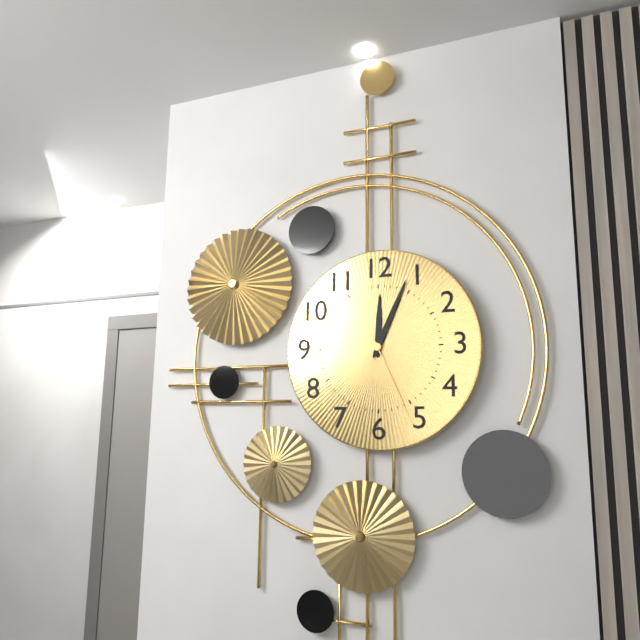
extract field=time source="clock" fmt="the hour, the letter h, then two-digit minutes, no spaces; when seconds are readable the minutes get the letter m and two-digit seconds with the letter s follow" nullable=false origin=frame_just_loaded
12h04m26s
